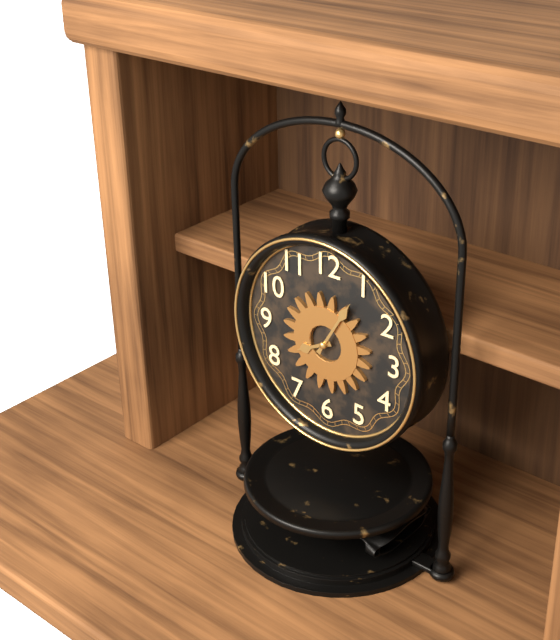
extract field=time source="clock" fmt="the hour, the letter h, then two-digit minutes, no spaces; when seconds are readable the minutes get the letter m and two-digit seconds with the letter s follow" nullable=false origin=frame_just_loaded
8h05
